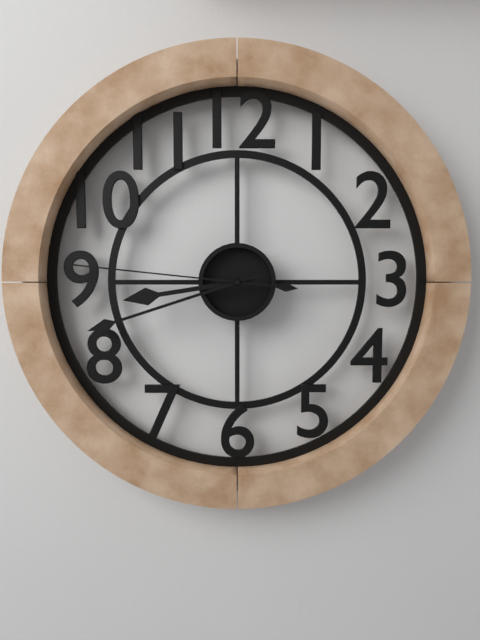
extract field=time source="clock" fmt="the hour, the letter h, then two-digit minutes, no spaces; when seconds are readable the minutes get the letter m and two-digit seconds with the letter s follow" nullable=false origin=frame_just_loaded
8h42m46s
